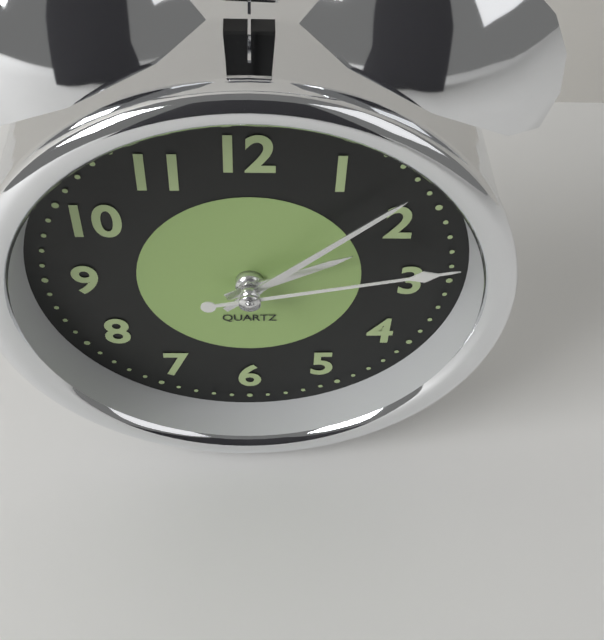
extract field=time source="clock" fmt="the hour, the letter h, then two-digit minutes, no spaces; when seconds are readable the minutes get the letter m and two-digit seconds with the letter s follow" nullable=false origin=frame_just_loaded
2h08m13s
